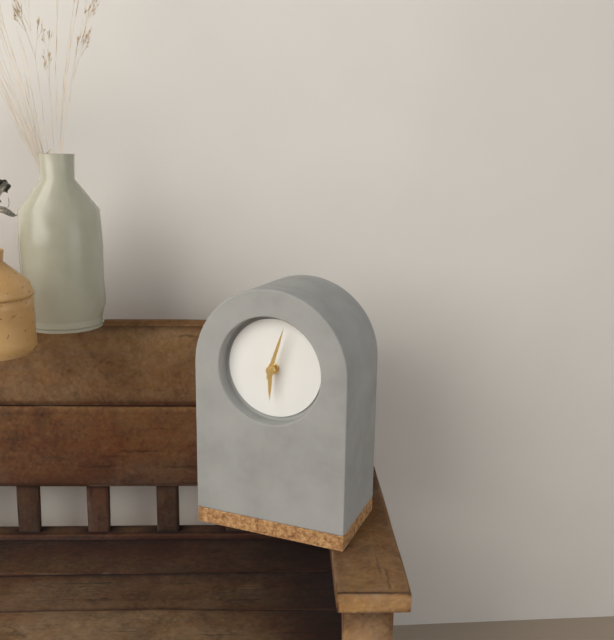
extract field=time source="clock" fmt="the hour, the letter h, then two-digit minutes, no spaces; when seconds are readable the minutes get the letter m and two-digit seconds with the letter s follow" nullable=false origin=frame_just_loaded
6h03
